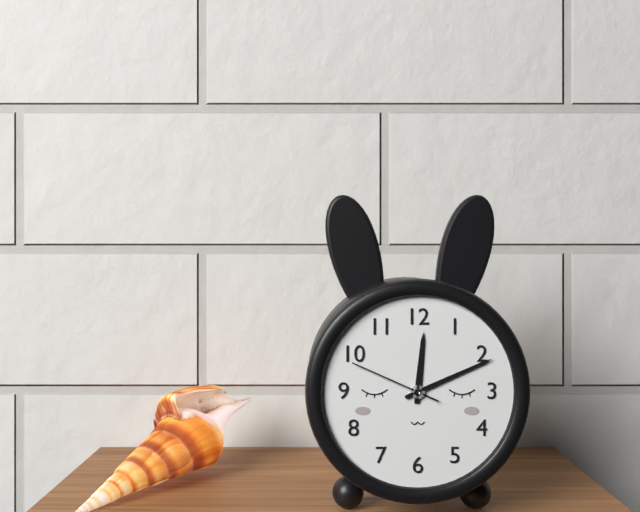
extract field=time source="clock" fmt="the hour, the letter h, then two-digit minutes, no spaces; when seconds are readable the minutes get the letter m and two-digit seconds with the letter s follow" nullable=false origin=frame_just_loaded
12h11m49s
